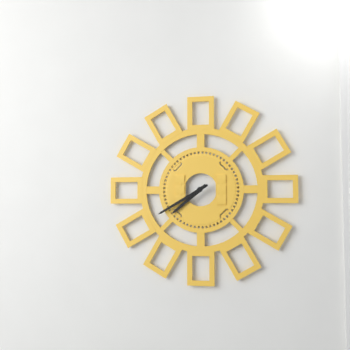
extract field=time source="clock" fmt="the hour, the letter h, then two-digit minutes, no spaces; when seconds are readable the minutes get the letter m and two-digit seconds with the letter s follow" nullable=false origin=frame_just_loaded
7h40
